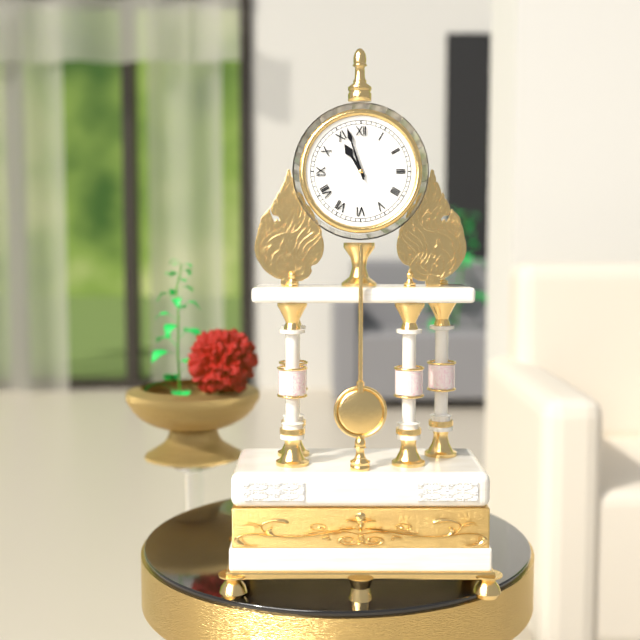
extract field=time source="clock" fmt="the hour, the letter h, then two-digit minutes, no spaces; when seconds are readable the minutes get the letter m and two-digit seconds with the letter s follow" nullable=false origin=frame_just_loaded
10h57
